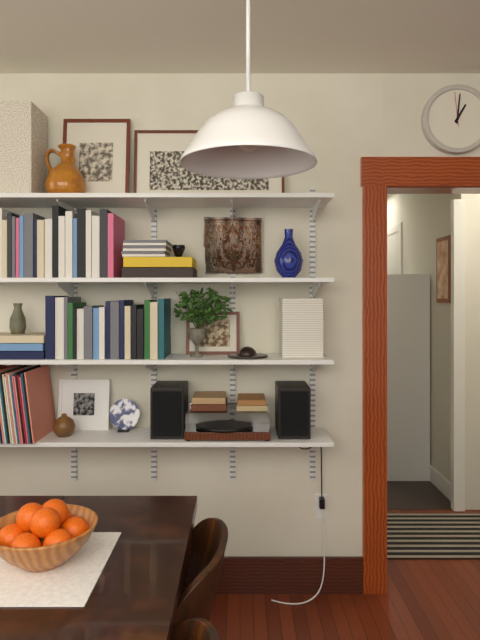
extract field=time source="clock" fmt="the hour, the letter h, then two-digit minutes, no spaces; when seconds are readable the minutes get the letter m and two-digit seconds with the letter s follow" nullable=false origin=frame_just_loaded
1h01
